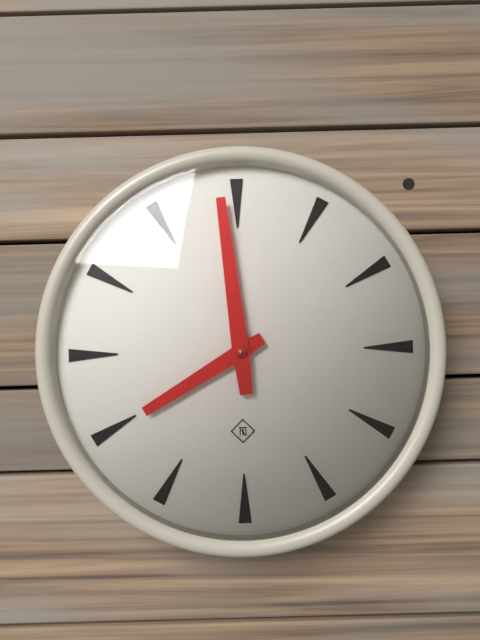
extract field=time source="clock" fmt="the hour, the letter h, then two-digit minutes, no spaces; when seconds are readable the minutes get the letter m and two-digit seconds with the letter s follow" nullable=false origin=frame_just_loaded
7h59
